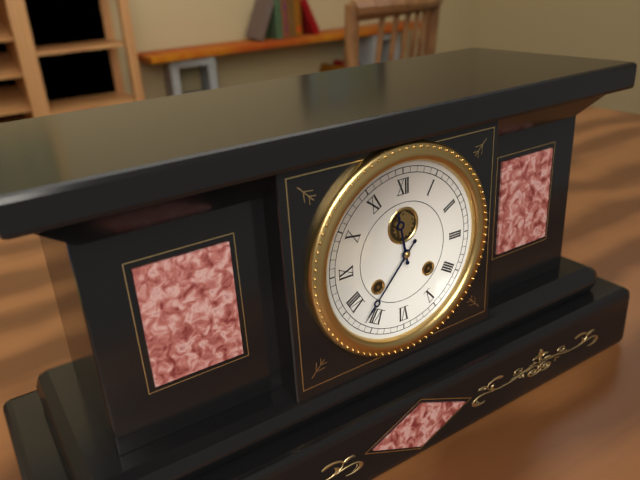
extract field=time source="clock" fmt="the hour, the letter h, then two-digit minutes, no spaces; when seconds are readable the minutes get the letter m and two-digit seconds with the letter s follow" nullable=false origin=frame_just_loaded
11h37
